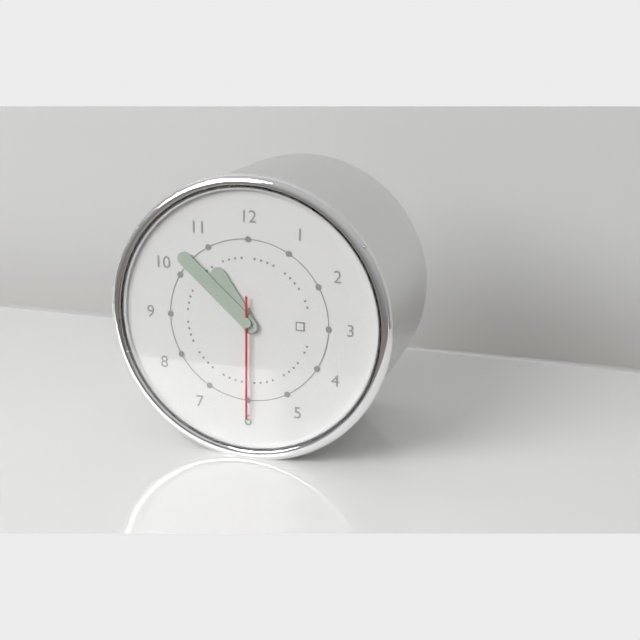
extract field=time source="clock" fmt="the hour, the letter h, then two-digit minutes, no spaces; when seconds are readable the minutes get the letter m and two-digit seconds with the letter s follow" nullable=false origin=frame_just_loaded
10h52m30s
